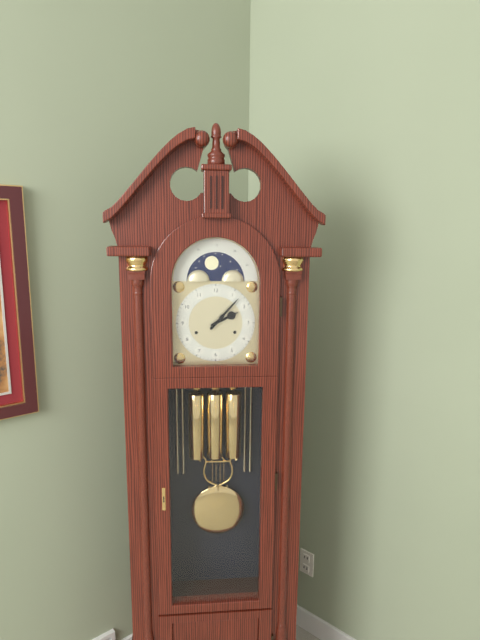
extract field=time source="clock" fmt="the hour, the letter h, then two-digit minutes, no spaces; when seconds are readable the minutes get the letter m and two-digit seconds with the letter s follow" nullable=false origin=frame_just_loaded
2h07
